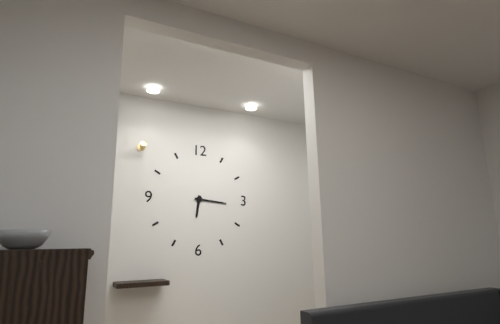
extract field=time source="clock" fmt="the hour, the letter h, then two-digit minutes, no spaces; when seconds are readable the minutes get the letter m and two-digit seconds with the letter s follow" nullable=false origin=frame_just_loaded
6h16
